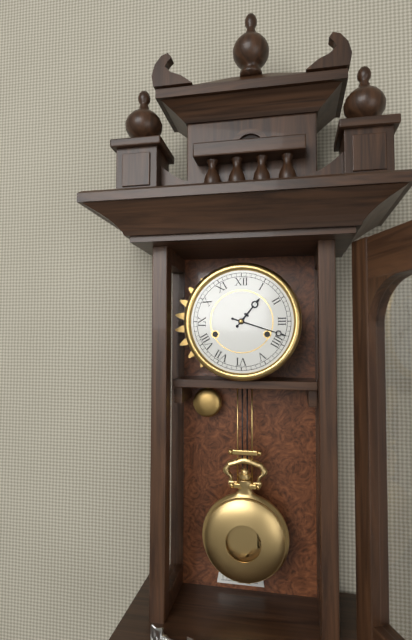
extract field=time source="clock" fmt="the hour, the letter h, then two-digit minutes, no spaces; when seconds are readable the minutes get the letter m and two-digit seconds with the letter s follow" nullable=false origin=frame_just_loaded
1h18
